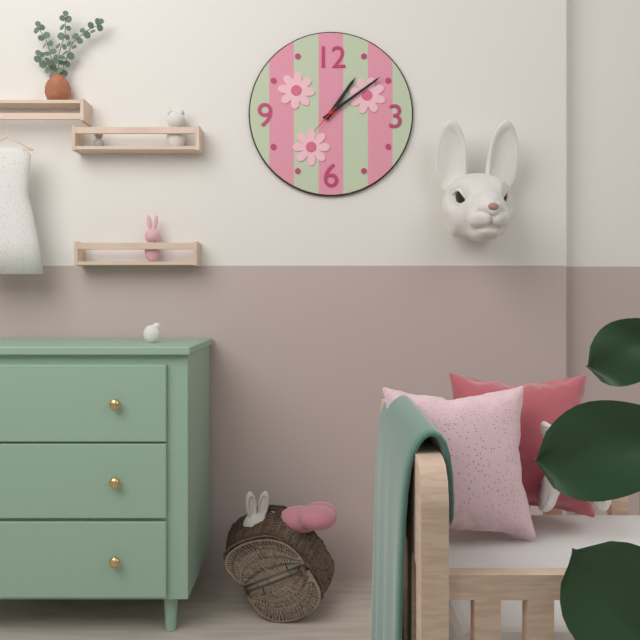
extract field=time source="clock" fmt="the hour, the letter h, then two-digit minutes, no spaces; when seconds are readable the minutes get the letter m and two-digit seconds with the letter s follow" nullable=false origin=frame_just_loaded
1h09
